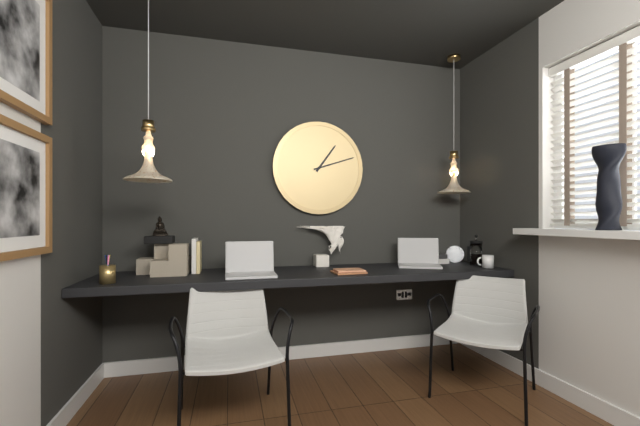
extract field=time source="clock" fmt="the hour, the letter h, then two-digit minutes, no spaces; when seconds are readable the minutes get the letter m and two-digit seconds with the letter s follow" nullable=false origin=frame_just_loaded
1h12
